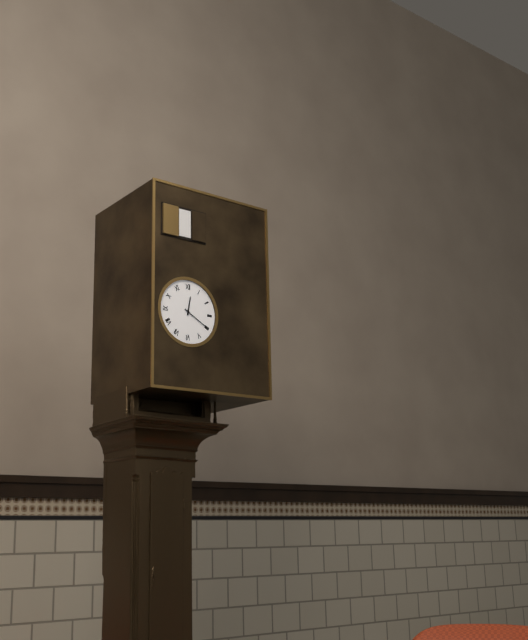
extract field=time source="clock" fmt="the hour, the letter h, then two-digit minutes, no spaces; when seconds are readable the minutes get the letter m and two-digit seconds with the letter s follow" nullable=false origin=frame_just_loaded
12h20
